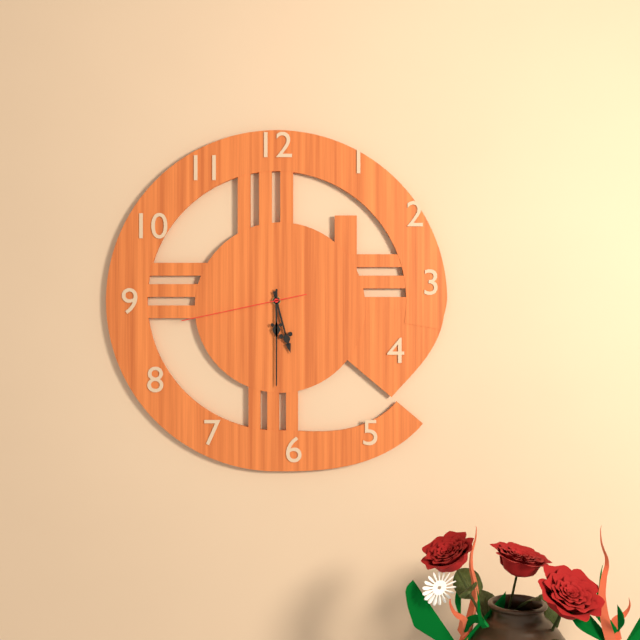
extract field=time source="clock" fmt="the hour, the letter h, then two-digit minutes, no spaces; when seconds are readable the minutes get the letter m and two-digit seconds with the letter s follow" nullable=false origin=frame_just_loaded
5h30m43s
